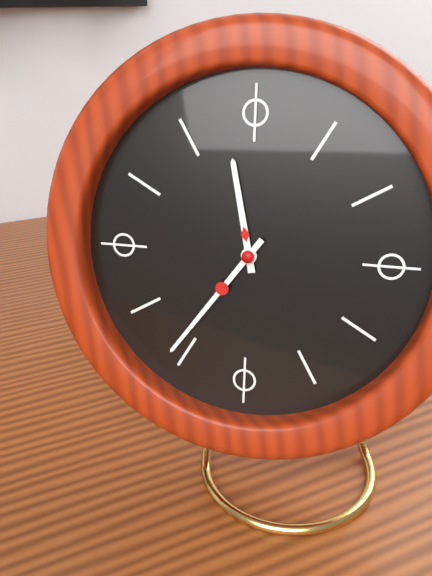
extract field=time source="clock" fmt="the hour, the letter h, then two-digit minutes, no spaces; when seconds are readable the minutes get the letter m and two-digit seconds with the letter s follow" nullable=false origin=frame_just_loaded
11h36
